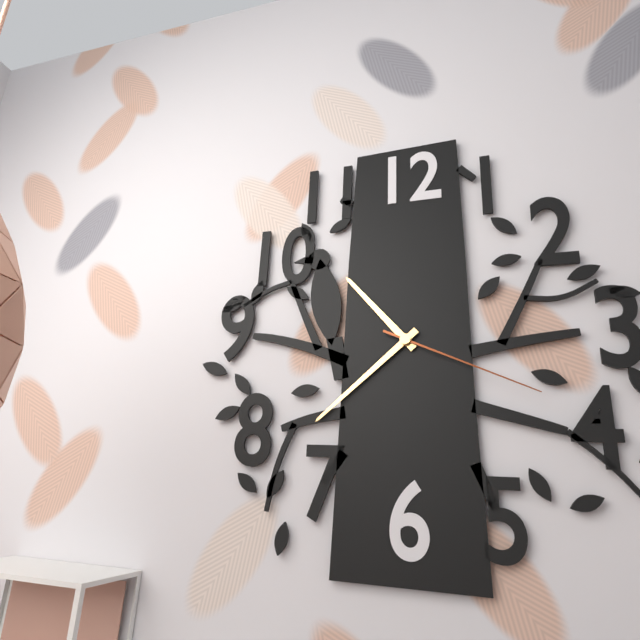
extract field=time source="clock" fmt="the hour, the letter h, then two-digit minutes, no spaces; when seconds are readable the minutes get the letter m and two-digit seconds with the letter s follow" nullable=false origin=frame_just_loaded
10h38m19s
